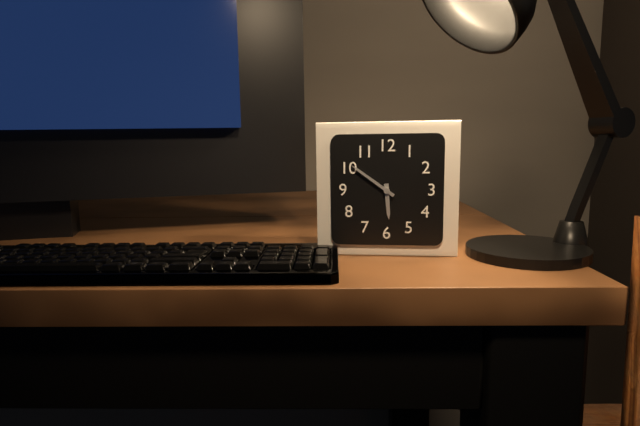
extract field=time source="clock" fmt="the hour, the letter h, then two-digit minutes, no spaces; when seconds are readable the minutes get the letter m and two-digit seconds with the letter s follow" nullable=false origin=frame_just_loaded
5h51
